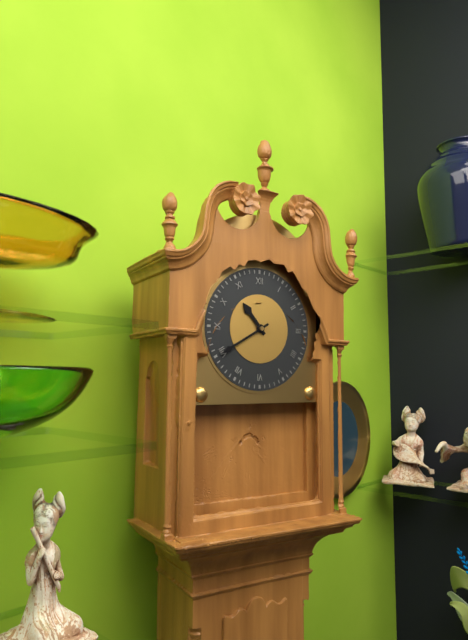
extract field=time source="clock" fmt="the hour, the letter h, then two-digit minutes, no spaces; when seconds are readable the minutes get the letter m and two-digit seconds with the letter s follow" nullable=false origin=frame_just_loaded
10h40
